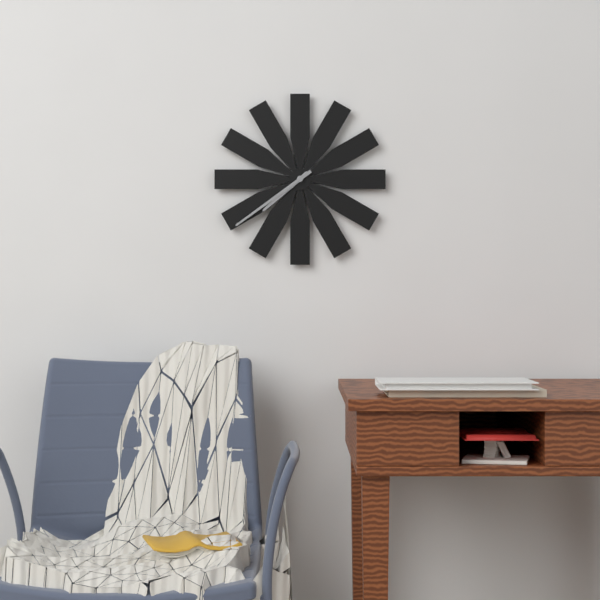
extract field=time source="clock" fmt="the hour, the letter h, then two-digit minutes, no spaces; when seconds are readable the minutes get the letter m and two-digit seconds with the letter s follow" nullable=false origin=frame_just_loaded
7h39
